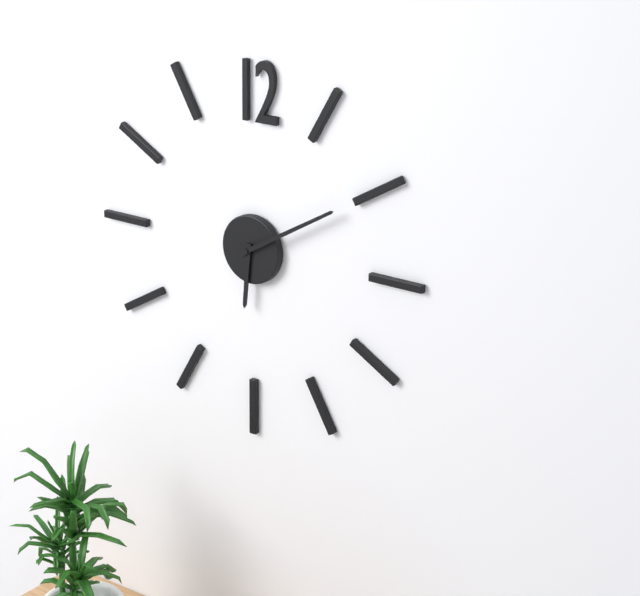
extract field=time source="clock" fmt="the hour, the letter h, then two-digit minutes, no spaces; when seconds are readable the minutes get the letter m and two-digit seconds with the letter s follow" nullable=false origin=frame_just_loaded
6h10
